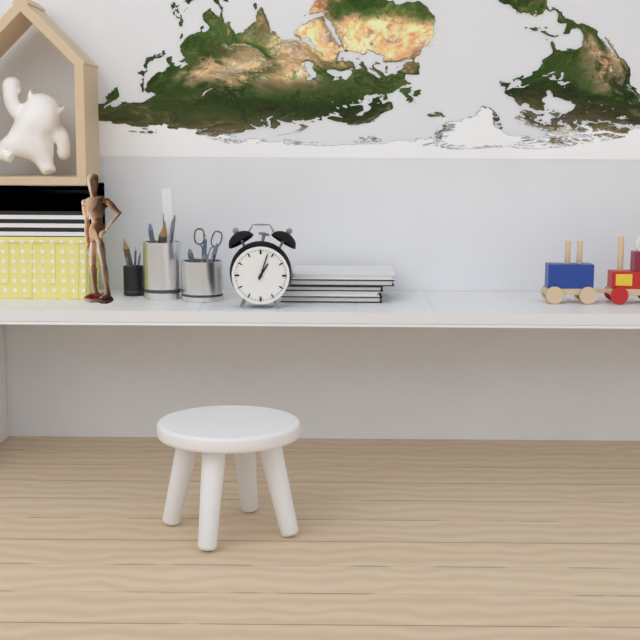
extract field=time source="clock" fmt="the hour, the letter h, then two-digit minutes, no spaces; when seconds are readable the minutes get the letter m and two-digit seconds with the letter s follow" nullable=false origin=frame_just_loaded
1h03
